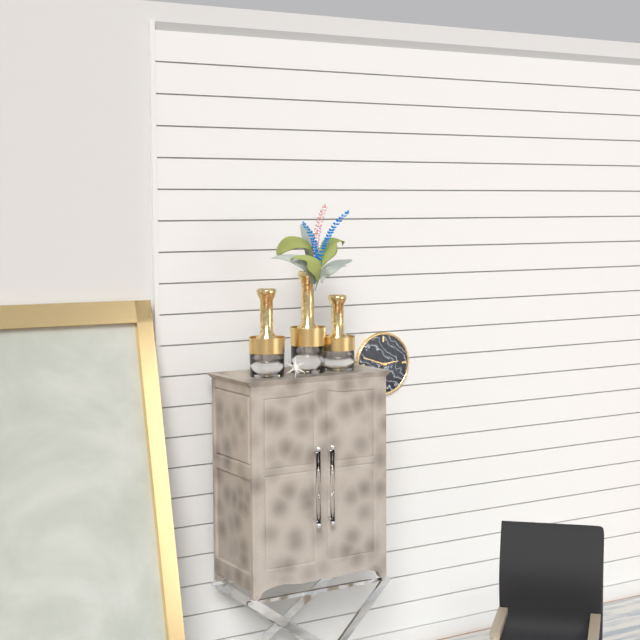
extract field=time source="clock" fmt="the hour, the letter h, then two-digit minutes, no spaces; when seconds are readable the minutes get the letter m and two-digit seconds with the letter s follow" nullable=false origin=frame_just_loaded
2h48
